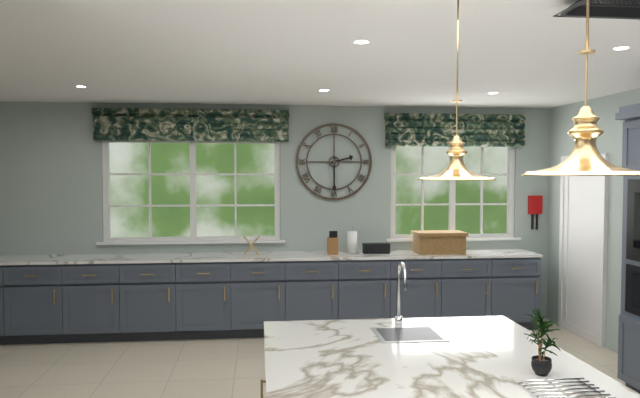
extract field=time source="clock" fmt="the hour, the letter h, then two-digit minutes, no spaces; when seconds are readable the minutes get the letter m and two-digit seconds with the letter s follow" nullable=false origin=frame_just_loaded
2h30
